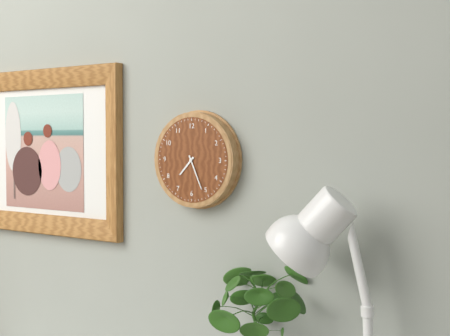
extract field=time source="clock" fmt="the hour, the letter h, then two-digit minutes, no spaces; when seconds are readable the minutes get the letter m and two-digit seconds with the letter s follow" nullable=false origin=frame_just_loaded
7h26
